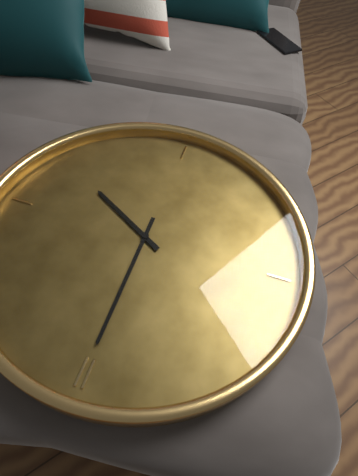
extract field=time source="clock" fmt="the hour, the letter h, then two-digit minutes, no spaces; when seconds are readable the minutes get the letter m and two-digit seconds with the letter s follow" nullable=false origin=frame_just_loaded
4h00
